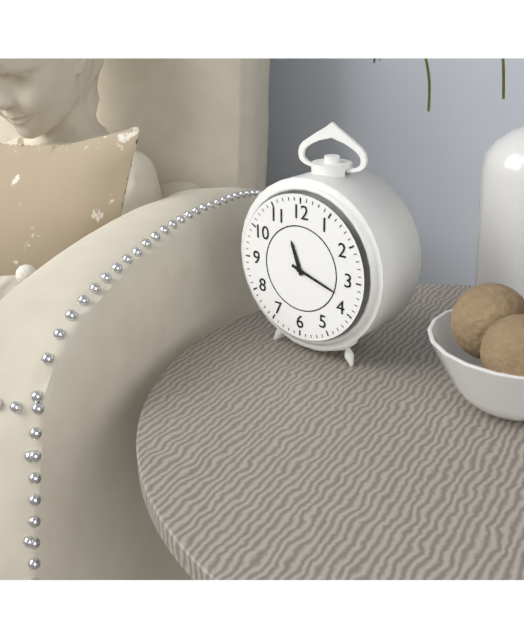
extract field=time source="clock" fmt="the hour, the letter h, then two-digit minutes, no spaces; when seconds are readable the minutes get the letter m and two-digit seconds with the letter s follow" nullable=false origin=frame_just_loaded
11h18
